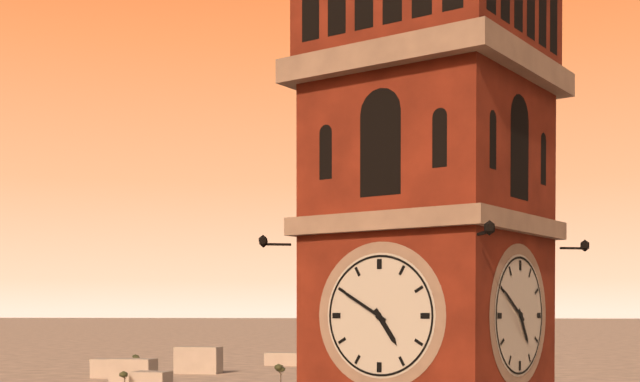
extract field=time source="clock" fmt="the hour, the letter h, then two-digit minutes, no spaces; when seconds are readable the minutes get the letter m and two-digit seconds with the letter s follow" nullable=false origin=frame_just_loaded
4h50
